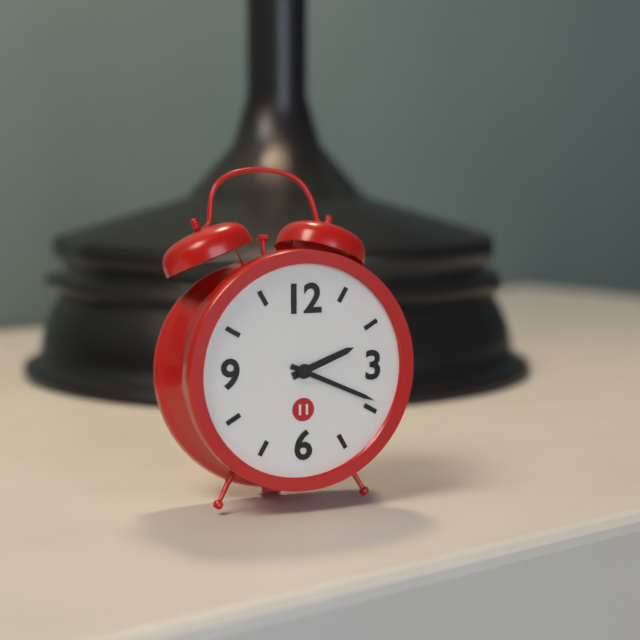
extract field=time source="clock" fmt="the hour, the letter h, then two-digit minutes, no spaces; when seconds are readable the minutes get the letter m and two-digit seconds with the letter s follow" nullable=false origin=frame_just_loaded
2h19
